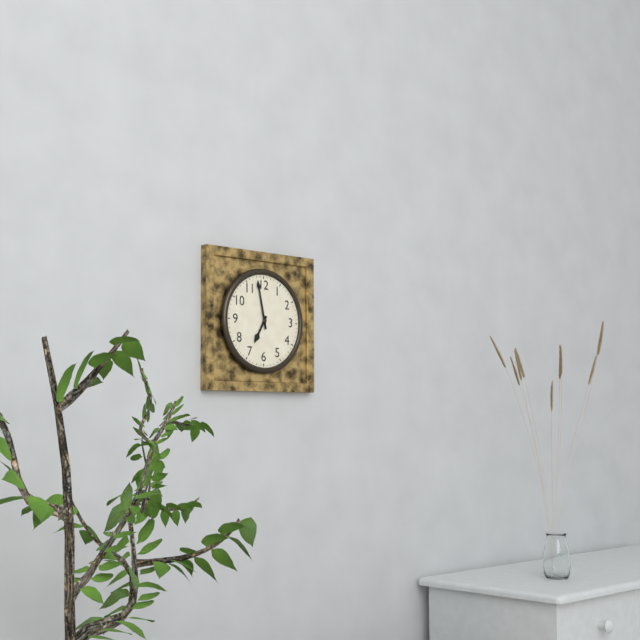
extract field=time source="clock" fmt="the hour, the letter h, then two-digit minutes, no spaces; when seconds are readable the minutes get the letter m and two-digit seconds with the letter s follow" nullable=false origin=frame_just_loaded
6h58
